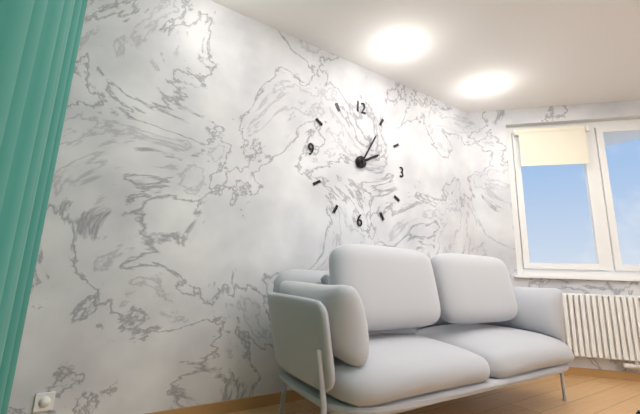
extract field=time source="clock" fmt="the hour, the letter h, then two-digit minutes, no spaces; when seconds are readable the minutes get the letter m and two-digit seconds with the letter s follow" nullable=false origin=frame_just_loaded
2h05
